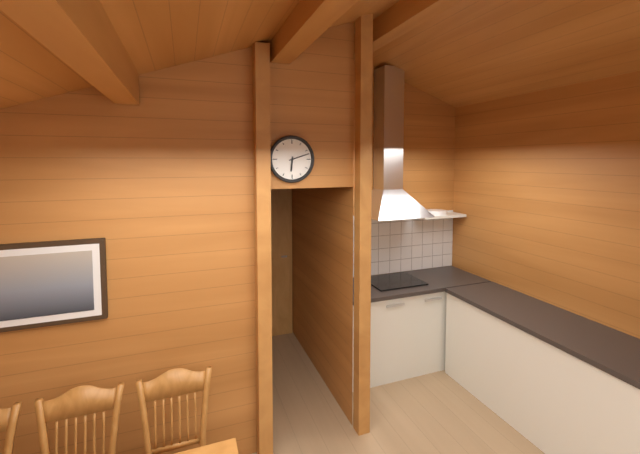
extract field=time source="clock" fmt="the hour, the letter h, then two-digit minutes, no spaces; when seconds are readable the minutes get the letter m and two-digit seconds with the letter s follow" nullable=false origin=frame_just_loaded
6h12
